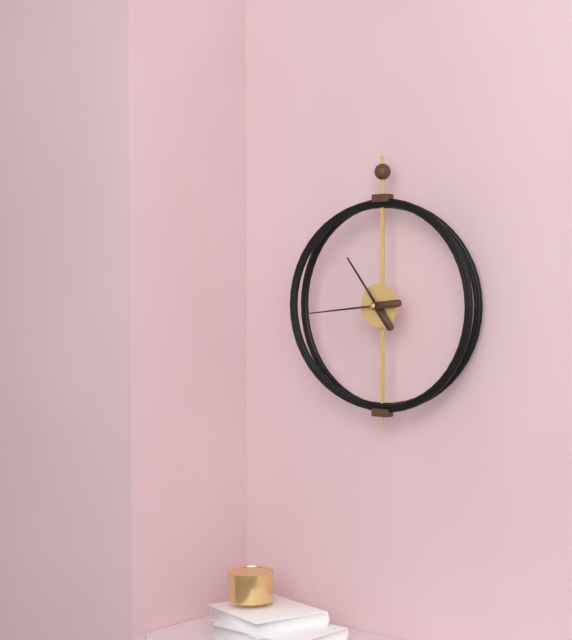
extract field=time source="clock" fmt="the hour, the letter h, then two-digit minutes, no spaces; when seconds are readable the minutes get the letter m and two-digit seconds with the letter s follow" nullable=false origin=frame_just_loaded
10h44
